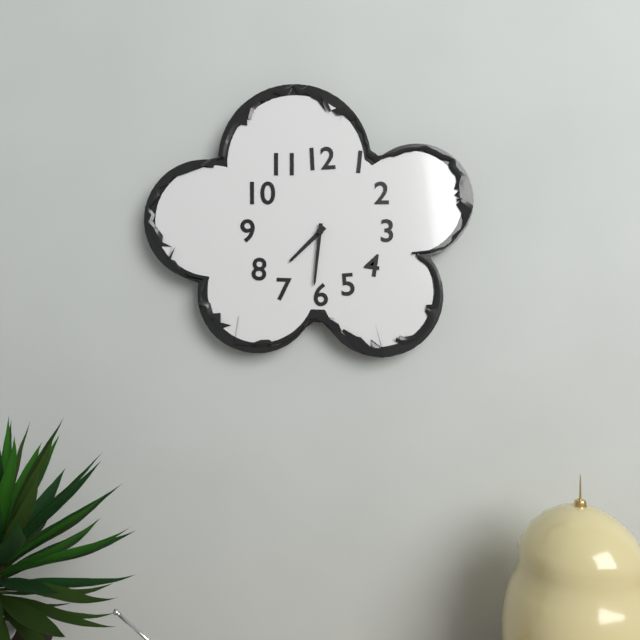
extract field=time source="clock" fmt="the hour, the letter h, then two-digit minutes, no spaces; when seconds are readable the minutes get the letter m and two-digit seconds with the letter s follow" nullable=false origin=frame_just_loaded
7h31
